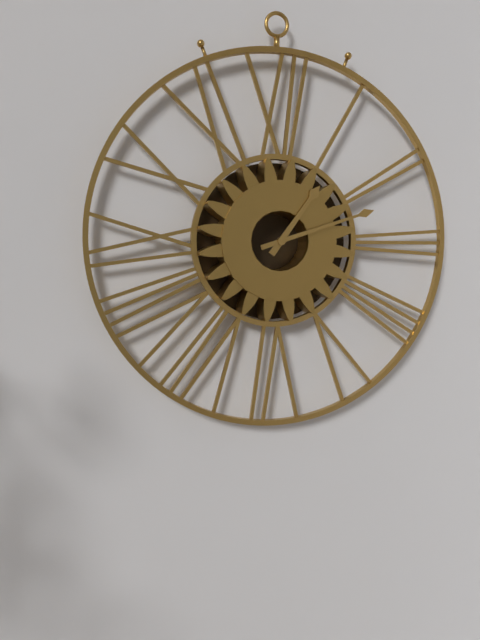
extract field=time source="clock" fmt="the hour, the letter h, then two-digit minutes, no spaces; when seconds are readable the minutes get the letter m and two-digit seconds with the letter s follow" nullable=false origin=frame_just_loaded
1h12
